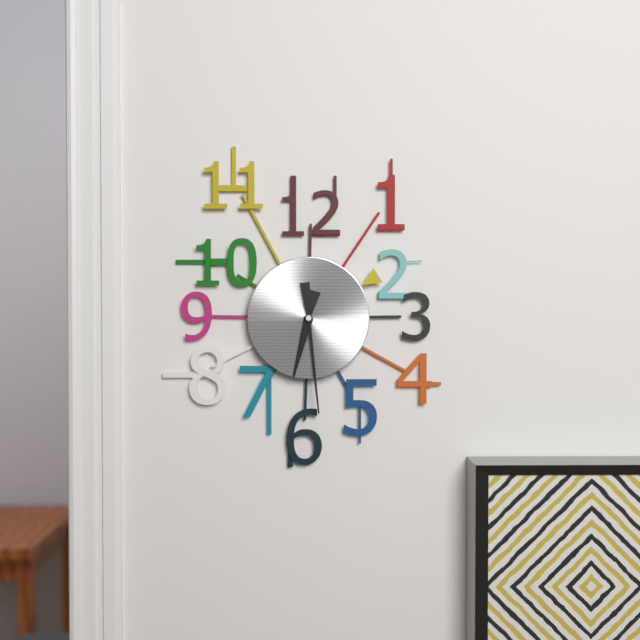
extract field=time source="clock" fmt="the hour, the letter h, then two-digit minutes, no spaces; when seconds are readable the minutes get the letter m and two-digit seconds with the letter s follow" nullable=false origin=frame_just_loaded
6h29
